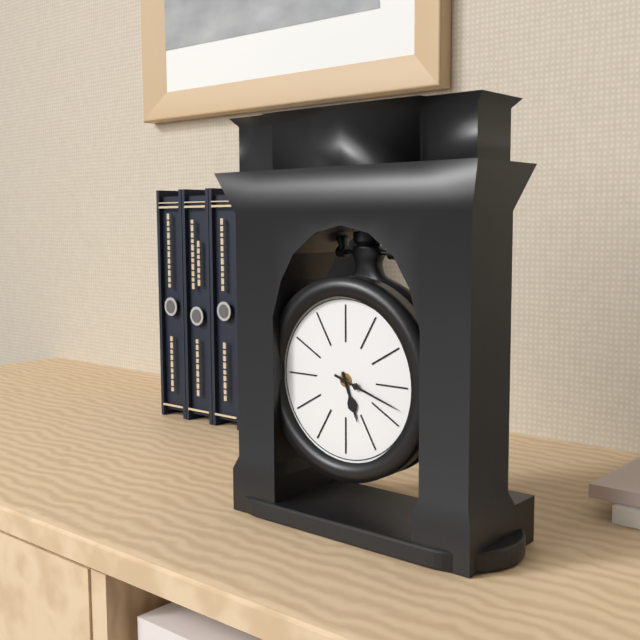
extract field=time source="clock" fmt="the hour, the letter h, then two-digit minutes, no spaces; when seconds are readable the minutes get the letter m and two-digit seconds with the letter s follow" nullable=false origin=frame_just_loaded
5h18
